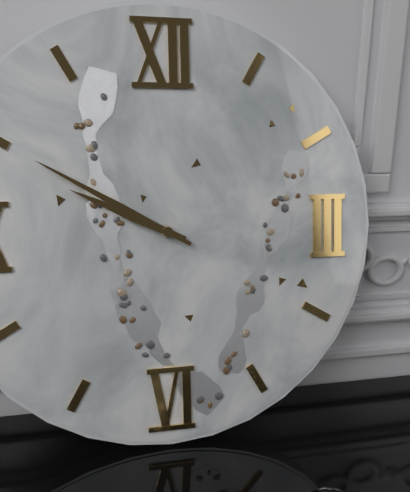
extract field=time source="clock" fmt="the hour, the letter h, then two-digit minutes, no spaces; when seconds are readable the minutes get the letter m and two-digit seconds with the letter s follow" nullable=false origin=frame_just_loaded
9h50
